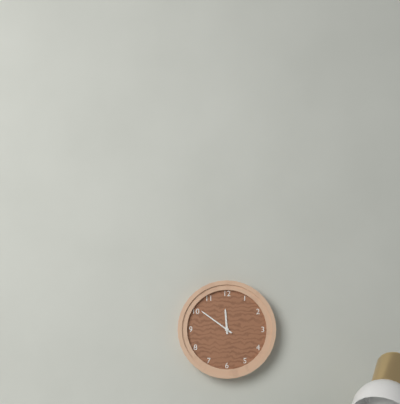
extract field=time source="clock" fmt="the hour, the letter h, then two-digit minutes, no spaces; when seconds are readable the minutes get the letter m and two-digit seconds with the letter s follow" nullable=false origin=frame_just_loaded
11h51
